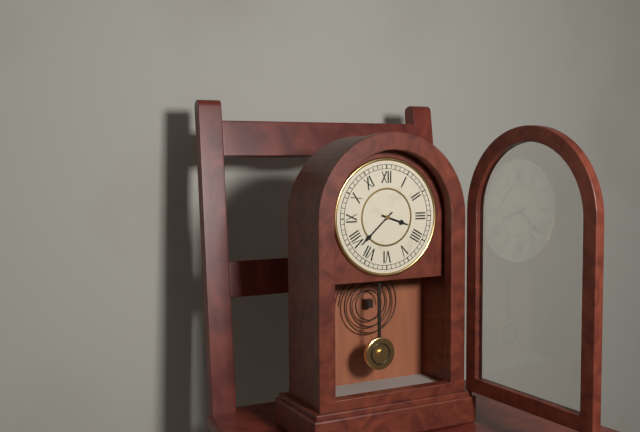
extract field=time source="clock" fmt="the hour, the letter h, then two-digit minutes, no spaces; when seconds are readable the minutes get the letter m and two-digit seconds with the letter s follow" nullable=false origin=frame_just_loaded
3h38
